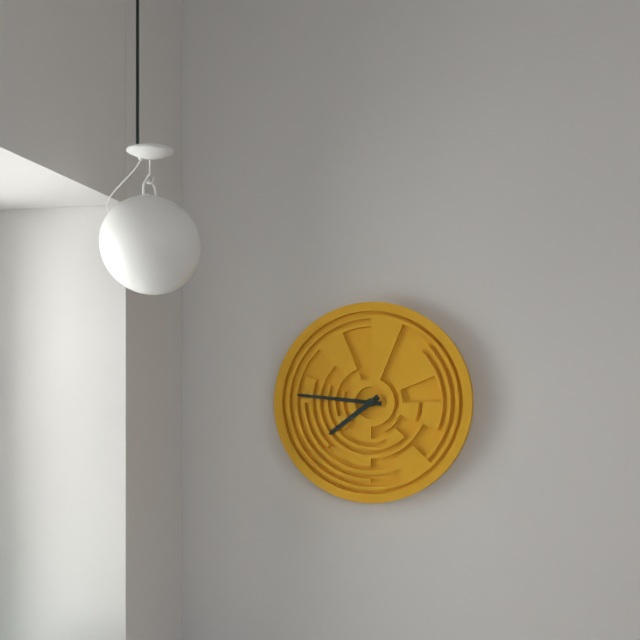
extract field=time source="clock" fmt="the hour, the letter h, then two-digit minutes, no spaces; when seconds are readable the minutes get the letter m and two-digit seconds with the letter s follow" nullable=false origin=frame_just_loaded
7h46
